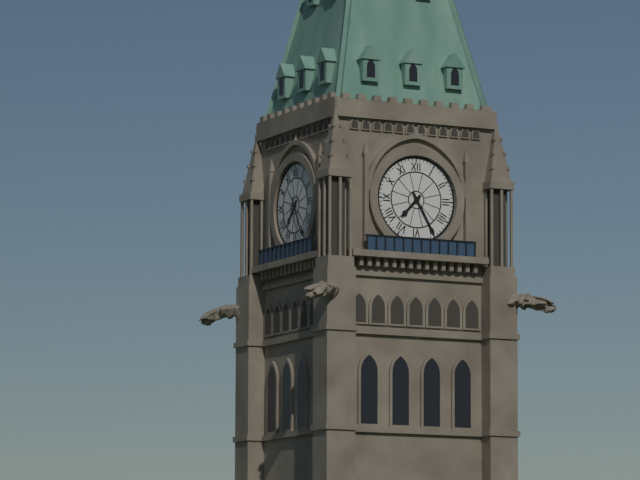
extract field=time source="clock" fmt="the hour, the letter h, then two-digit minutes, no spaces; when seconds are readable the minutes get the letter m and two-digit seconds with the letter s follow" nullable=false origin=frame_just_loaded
7h25
